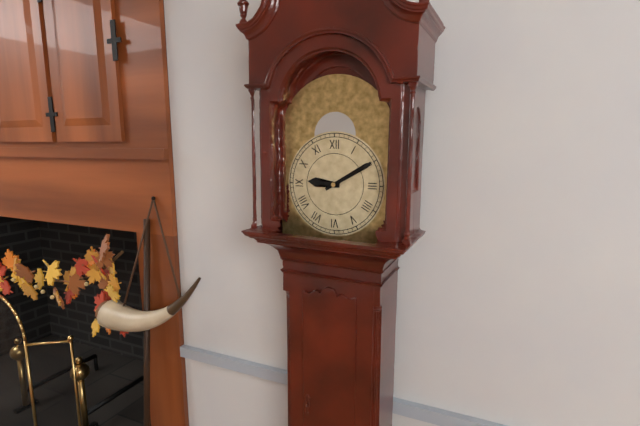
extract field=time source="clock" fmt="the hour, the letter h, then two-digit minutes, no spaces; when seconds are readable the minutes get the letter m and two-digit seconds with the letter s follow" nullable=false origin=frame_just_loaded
9h10
